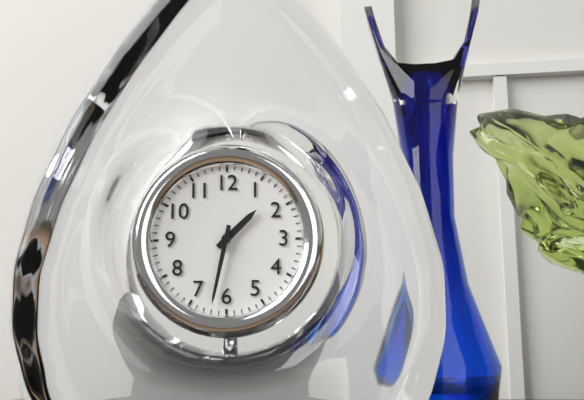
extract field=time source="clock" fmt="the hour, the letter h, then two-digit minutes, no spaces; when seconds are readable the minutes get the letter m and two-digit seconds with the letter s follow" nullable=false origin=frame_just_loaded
1h32
